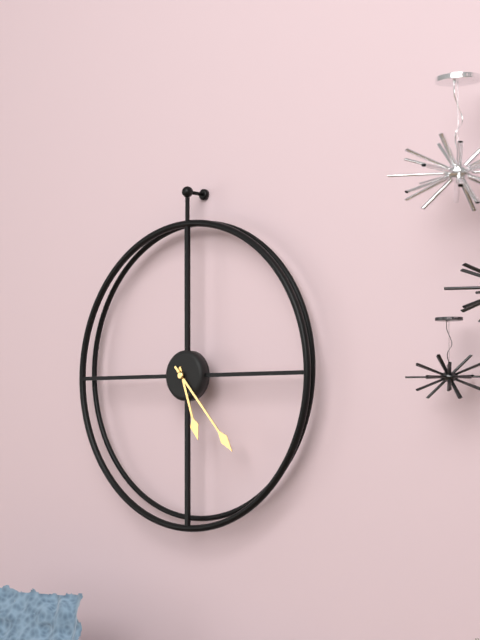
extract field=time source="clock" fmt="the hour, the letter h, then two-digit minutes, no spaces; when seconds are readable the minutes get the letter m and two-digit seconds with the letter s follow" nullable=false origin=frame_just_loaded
5h23
